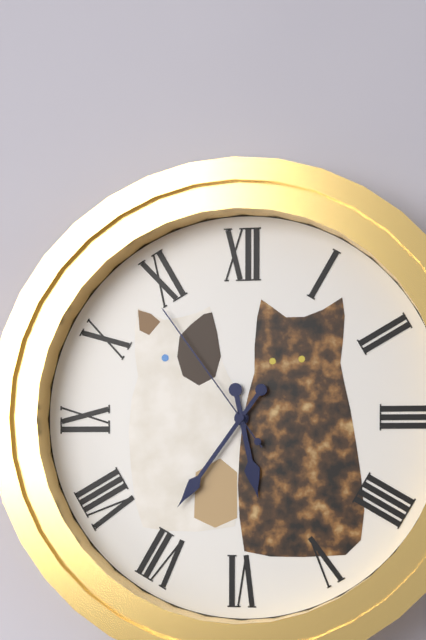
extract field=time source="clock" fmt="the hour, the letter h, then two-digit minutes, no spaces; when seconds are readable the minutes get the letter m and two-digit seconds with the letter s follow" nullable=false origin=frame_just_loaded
5h36m54s
